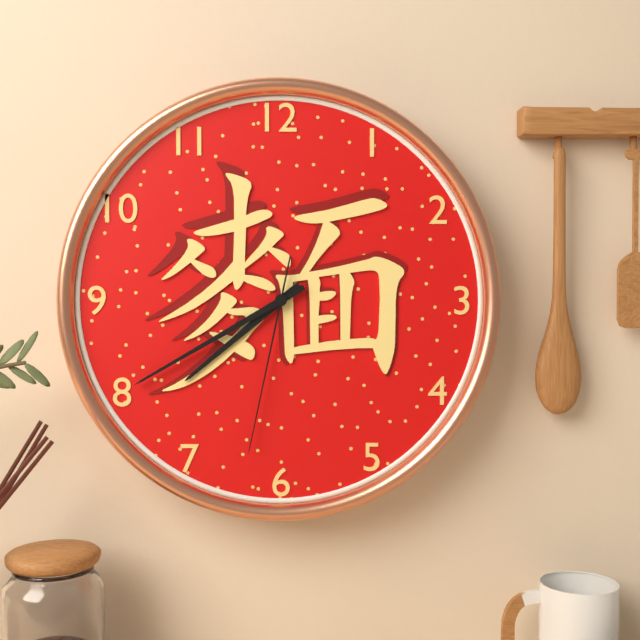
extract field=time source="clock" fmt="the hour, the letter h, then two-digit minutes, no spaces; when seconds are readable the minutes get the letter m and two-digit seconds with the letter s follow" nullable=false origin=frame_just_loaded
7h40m32s
